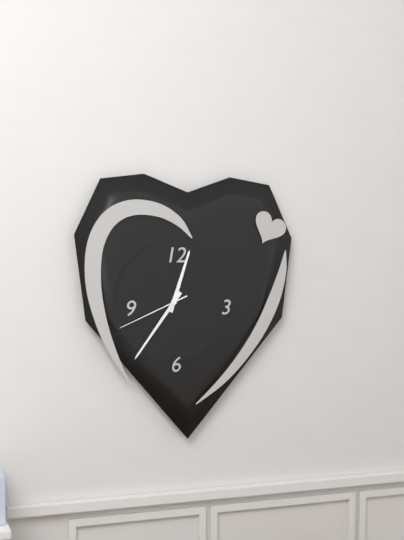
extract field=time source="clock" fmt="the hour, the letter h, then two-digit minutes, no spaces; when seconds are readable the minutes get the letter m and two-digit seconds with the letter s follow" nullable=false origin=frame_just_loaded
12h36m41s
